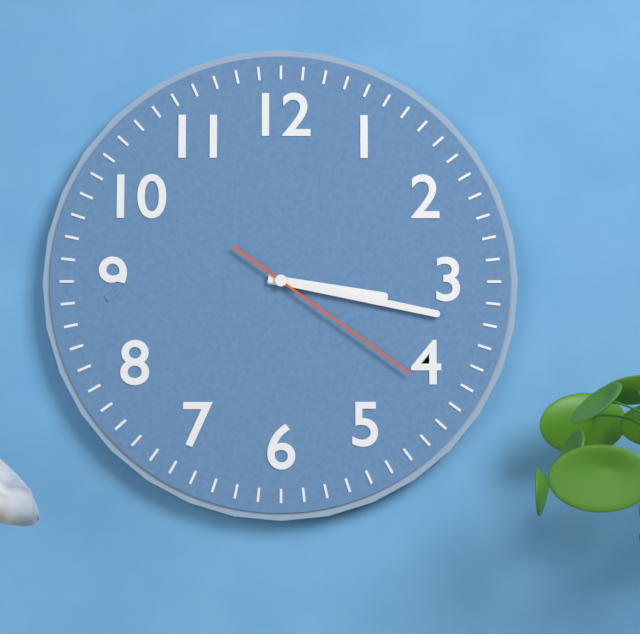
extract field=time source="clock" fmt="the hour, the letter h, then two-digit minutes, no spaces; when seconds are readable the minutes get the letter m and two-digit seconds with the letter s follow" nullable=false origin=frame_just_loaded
3h17m21s
